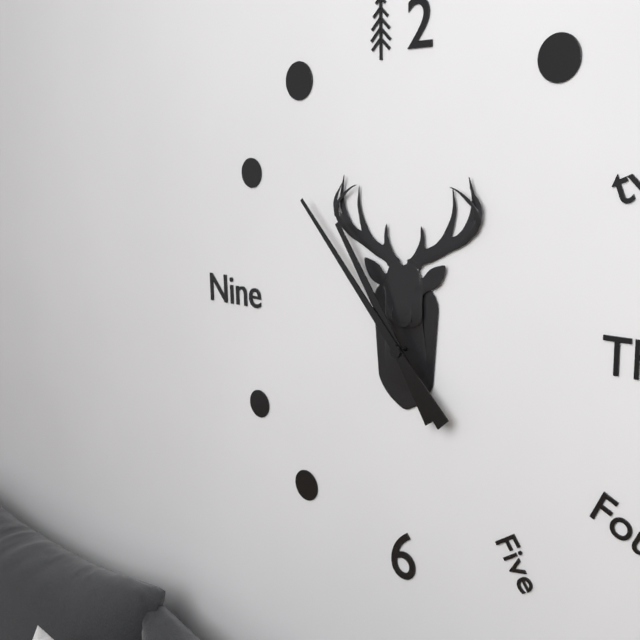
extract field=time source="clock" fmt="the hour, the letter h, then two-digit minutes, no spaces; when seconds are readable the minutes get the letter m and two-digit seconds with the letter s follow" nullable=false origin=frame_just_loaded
10h53
